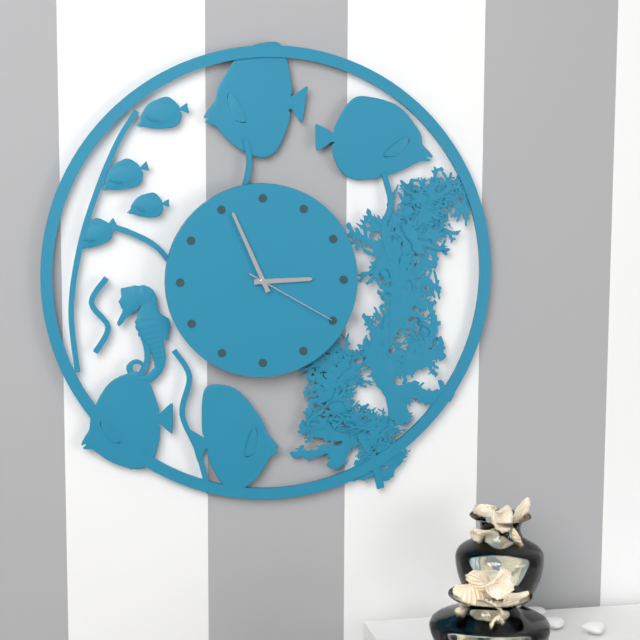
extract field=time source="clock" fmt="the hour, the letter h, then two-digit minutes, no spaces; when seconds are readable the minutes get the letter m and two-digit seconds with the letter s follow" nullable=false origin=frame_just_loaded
2h56m20s
